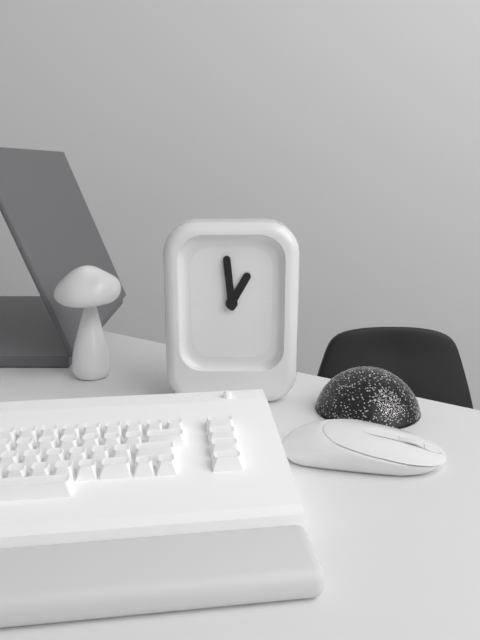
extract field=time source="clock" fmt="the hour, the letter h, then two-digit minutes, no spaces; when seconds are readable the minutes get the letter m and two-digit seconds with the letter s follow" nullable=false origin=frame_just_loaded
12h59
